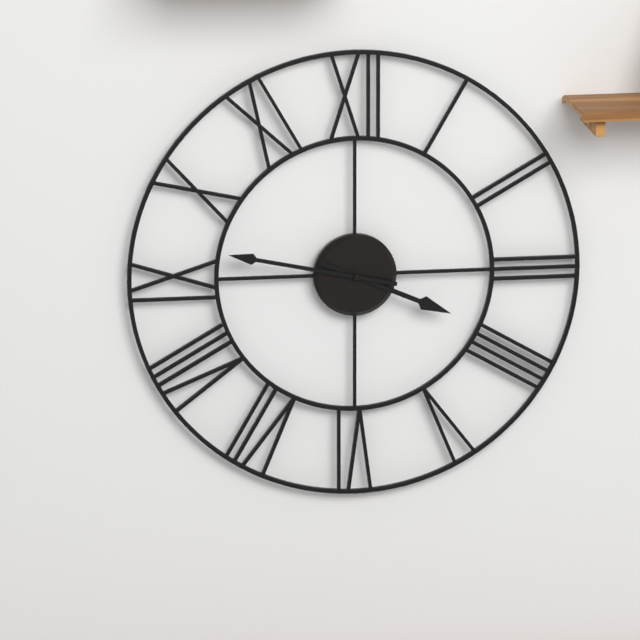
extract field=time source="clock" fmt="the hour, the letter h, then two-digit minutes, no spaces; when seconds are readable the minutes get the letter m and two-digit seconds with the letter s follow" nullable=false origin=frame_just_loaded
3h47
